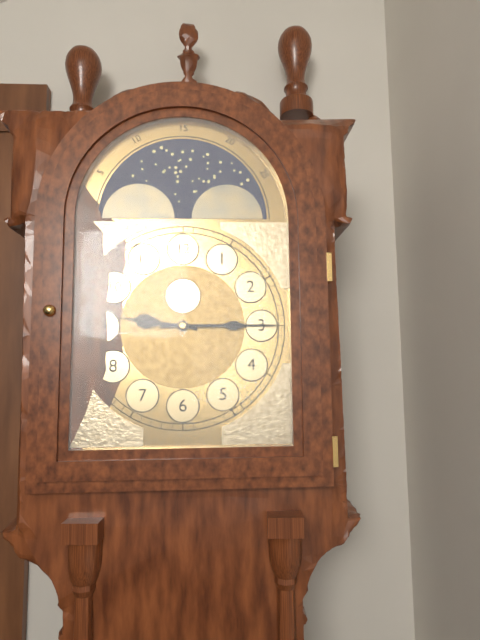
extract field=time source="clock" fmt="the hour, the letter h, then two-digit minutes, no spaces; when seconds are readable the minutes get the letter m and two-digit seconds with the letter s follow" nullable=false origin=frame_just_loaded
9h15
